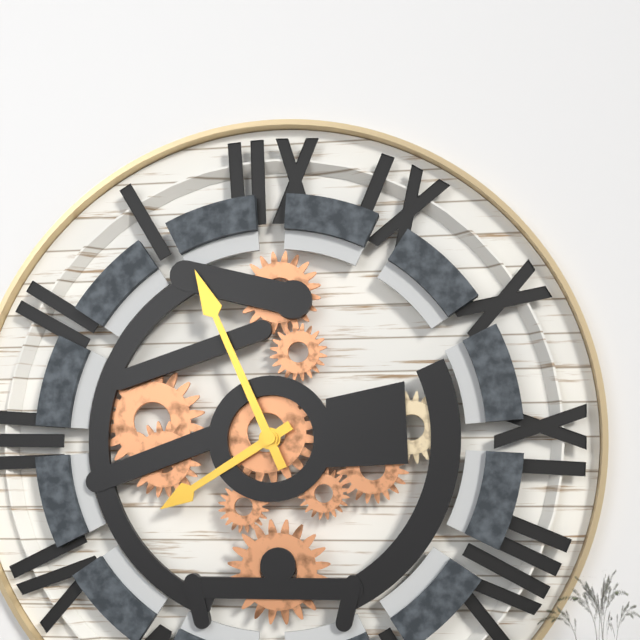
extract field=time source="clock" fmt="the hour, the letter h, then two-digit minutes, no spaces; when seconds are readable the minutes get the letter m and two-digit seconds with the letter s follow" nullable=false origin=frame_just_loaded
7h56
